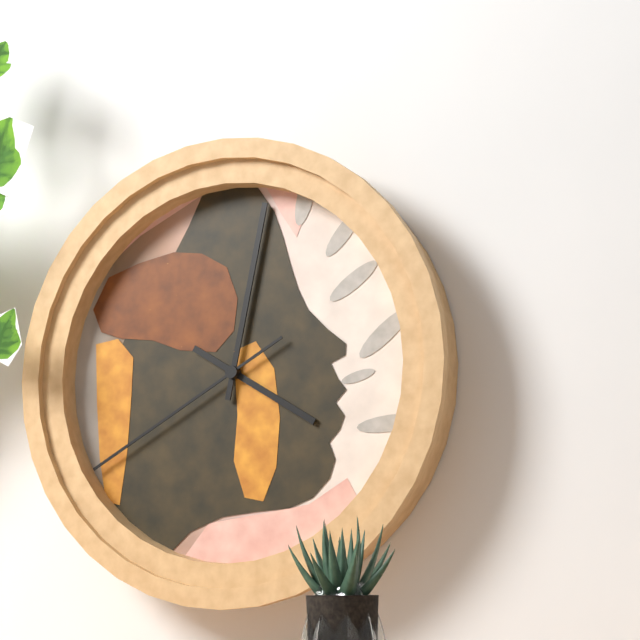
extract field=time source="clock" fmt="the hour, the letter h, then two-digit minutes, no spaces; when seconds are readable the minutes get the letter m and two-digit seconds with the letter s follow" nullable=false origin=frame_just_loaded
4h02m40s
